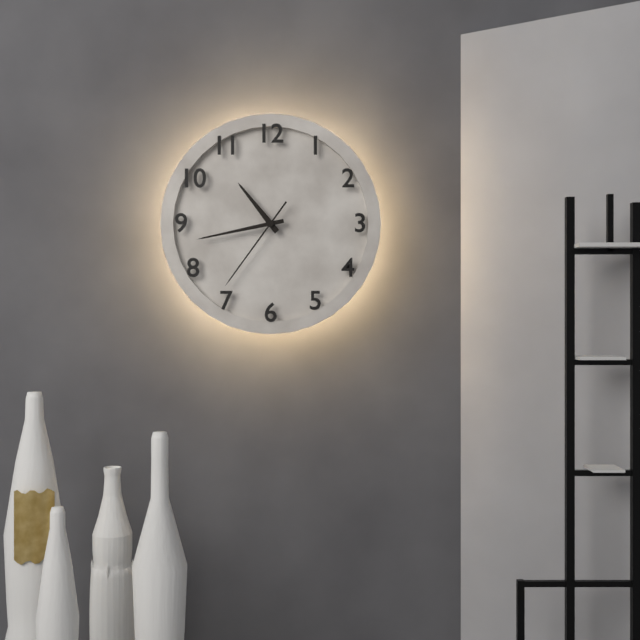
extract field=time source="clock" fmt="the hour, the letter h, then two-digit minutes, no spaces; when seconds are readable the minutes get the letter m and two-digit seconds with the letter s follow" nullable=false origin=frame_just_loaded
10h43m36s
